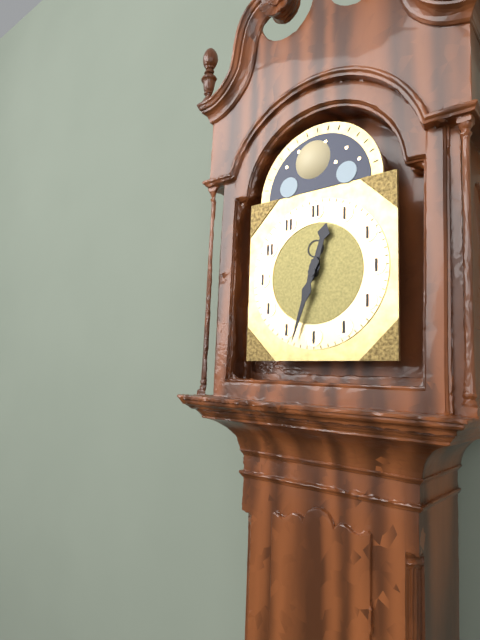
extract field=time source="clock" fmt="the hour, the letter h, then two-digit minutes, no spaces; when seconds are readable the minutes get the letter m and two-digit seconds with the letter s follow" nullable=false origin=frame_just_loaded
12h33
